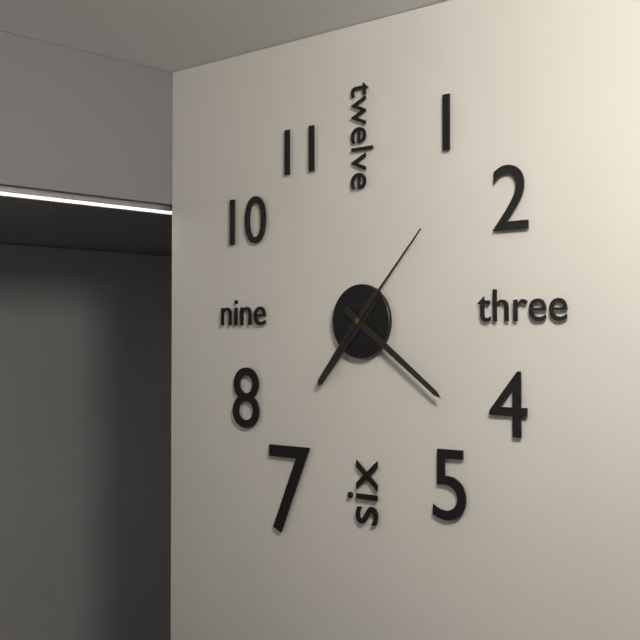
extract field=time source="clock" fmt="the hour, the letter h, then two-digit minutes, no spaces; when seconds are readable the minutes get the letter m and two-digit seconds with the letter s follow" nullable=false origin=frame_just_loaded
7h21m07s
